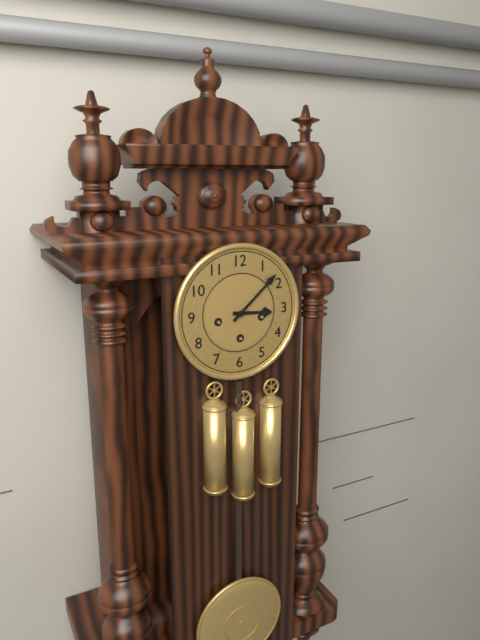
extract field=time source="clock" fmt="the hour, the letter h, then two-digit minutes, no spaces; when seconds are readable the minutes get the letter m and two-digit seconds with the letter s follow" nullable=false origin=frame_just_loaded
3h08
